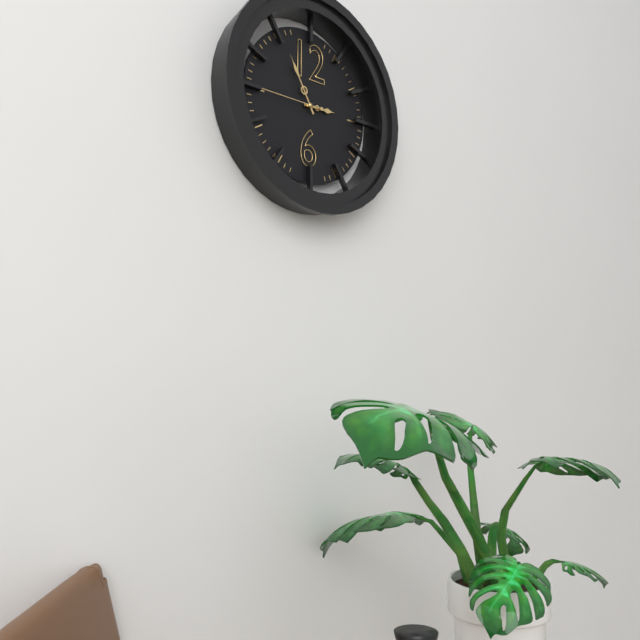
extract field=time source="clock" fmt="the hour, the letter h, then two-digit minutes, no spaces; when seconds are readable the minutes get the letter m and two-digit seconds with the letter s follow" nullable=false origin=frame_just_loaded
2h55m45s
